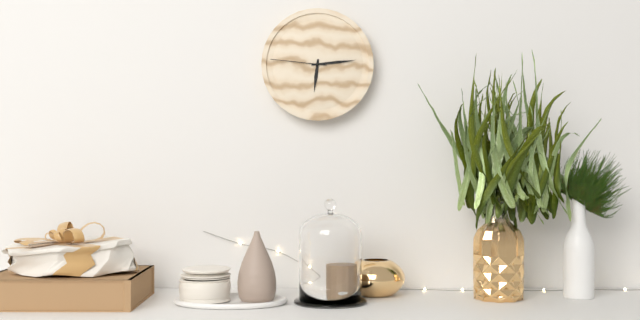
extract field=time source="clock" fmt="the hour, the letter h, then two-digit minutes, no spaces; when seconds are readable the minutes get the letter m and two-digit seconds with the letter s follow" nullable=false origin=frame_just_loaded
6h14m46s
